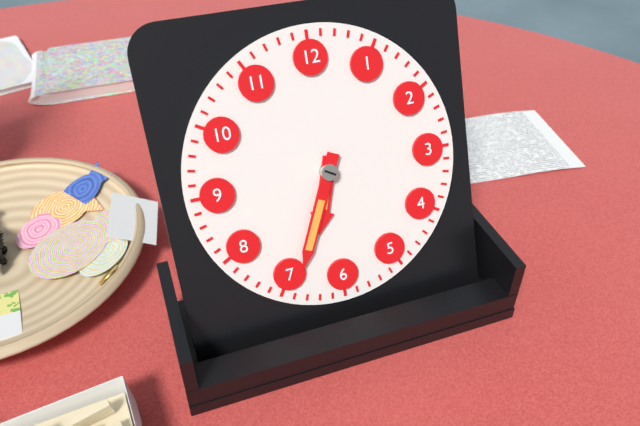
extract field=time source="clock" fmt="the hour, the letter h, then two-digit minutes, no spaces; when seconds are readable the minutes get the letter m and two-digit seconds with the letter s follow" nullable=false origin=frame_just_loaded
6h34
